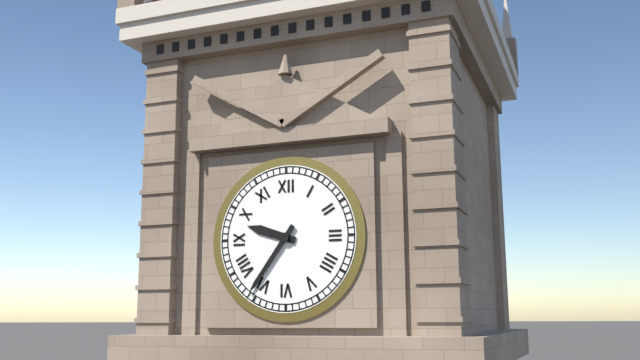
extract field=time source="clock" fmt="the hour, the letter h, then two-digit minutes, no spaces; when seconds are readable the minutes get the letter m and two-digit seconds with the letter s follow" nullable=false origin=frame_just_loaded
9h36
